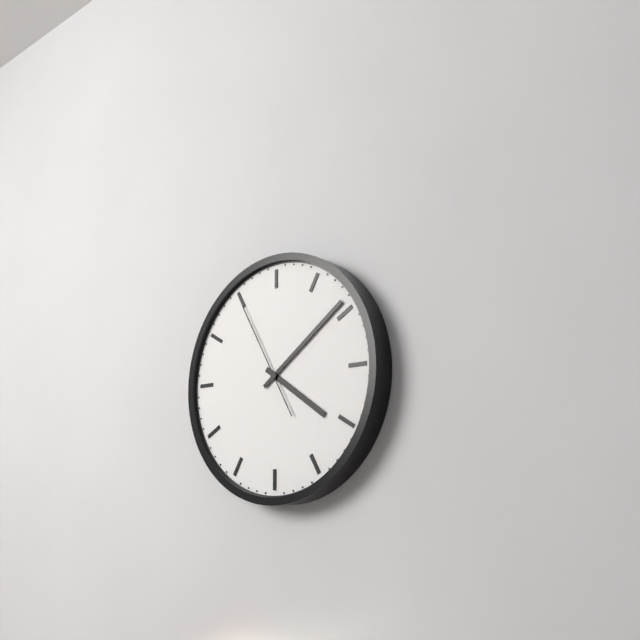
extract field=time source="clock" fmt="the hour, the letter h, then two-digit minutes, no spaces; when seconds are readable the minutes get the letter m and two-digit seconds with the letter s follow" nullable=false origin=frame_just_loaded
4h09m55s
